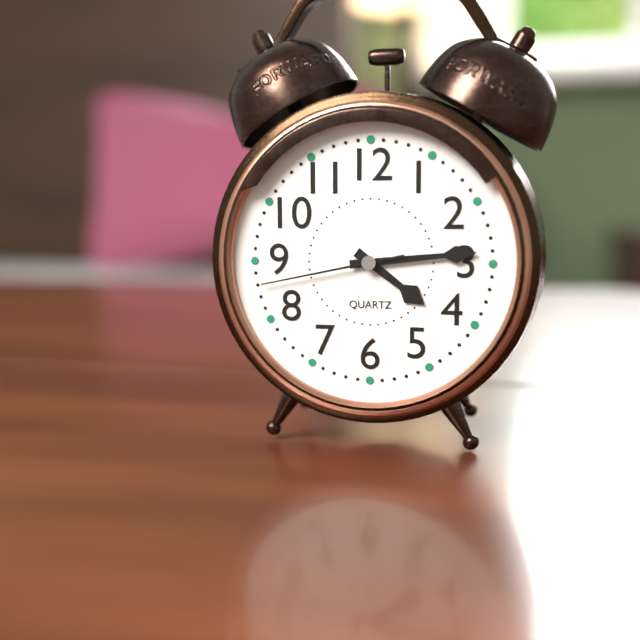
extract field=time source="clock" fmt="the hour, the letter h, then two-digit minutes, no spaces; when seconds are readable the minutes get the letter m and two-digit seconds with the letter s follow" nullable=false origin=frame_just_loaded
4h14m43s
